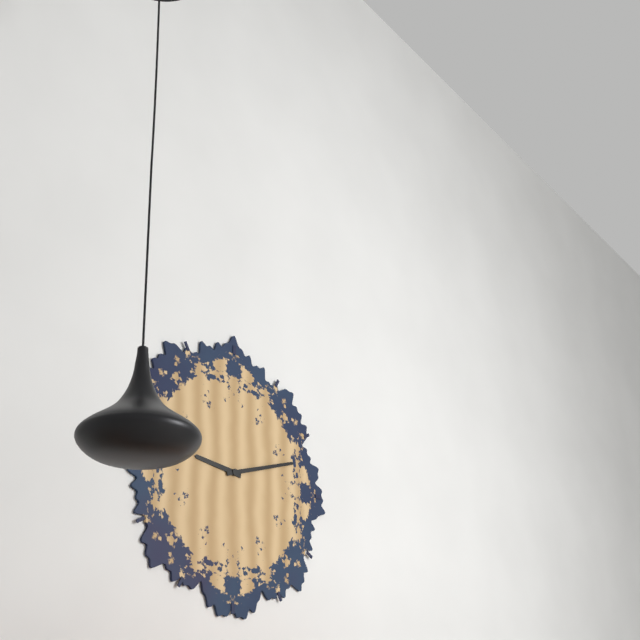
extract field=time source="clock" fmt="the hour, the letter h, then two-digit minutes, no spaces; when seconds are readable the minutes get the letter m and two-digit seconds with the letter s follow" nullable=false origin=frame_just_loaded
9h12
